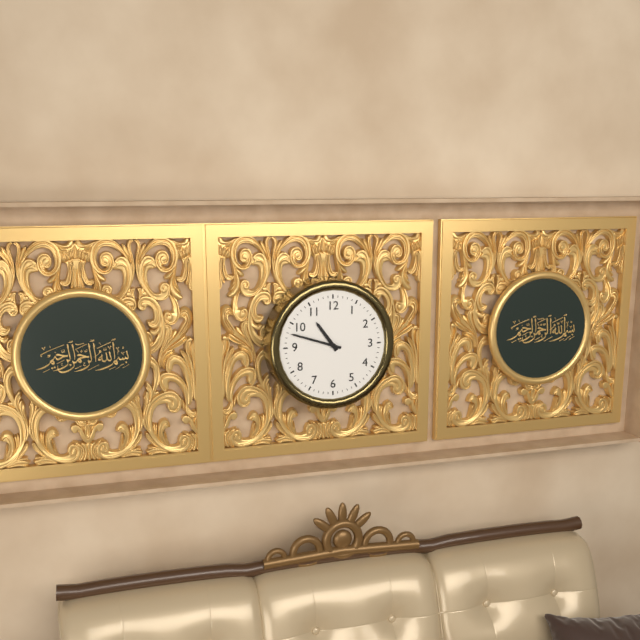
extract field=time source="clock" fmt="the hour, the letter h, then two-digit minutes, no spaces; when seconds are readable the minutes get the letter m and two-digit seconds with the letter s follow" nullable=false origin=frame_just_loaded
10h48
